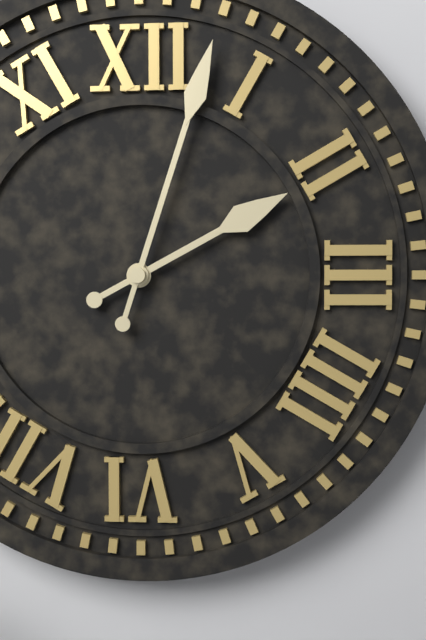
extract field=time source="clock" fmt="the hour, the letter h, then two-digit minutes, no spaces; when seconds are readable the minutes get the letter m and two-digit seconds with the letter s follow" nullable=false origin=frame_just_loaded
2h03
